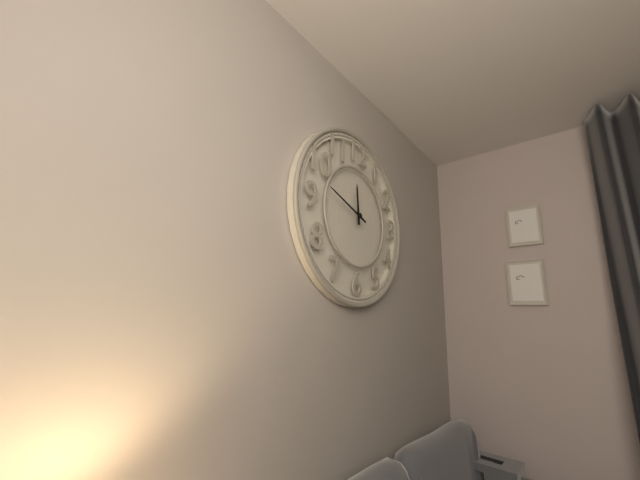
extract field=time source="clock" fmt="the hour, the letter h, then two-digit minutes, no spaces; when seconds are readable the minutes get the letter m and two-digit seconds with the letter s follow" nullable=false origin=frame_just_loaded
11h48
